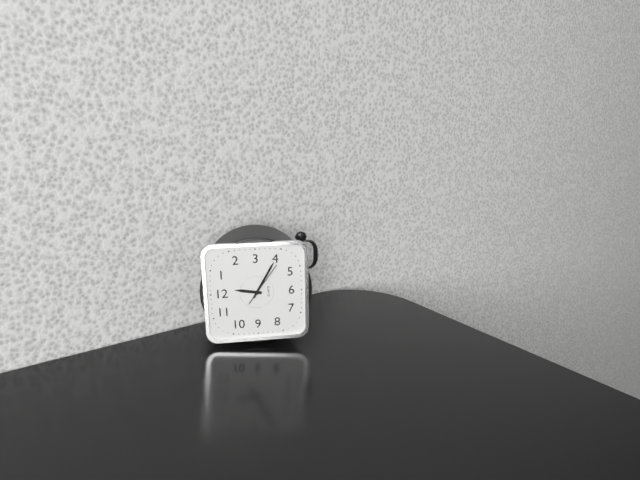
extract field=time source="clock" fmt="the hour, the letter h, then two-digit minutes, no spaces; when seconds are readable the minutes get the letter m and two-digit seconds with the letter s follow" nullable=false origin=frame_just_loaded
12h20
